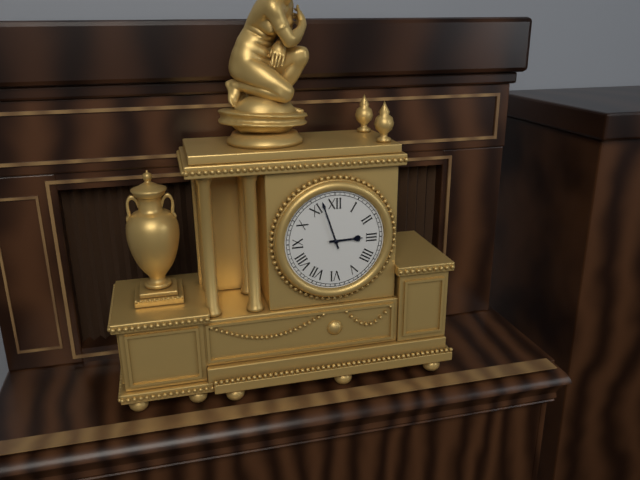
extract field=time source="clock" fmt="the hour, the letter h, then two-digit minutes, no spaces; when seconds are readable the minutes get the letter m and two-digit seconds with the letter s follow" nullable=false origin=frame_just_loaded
2h57
